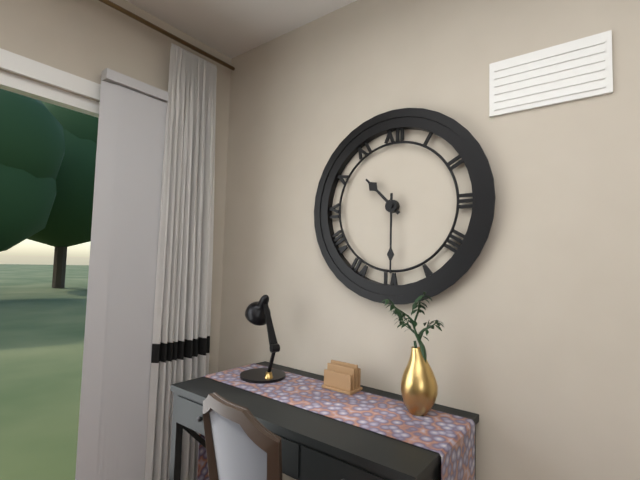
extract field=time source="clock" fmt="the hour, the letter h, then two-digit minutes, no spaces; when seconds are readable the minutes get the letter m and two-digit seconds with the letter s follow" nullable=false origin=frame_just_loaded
10h30
